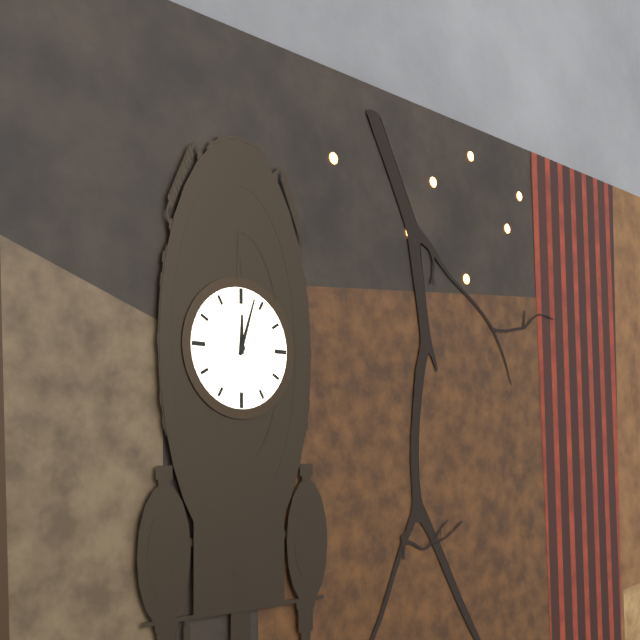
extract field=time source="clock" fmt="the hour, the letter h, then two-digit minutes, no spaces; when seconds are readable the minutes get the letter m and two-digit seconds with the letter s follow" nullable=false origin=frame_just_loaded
12h03
